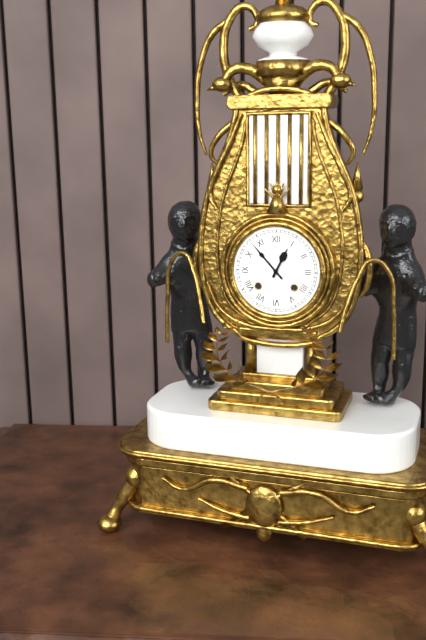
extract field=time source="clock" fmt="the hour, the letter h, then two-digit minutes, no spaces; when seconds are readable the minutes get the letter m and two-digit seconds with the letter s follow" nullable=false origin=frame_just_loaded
12h53
